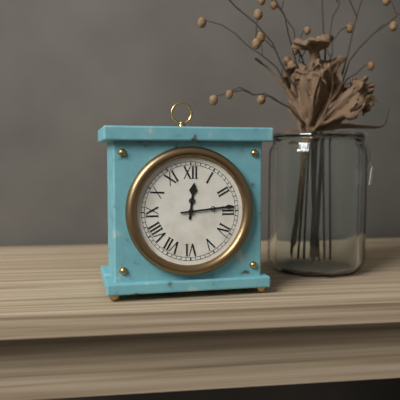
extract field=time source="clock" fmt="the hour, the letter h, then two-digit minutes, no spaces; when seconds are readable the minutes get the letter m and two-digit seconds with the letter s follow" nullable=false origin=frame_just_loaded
12h14
